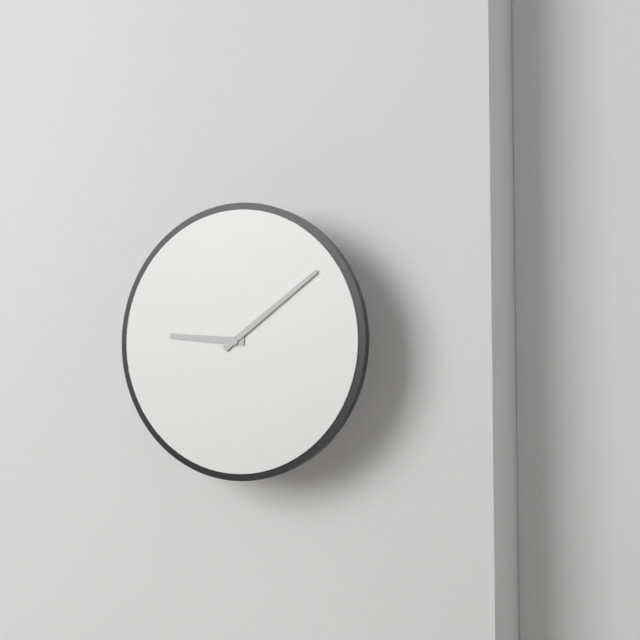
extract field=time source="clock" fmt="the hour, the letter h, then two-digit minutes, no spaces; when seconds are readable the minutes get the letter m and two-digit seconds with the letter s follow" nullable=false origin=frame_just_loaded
9h09
